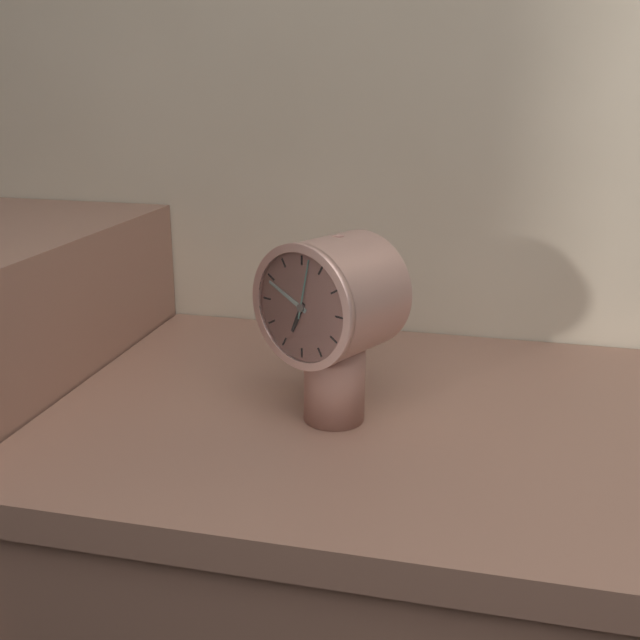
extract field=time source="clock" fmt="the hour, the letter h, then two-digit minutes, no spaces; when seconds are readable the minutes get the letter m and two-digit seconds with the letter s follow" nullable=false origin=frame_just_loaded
6h49m02s
